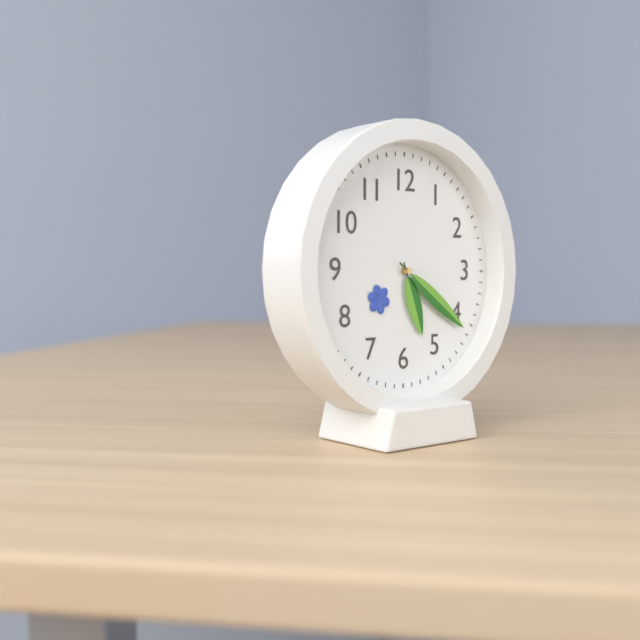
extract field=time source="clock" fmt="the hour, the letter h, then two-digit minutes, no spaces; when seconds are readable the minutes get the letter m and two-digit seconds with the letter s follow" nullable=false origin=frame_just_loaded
5h21
